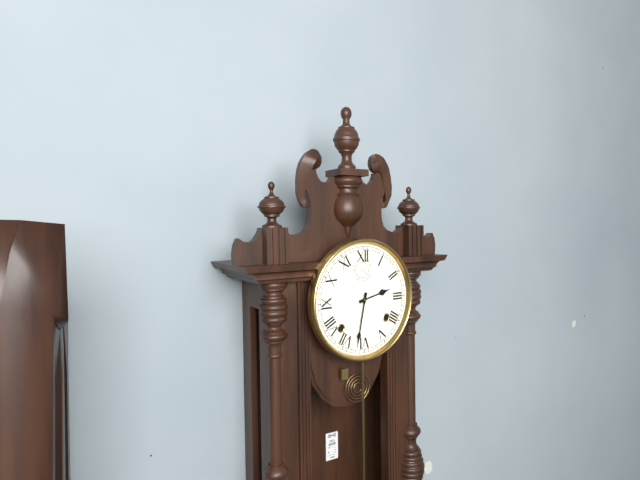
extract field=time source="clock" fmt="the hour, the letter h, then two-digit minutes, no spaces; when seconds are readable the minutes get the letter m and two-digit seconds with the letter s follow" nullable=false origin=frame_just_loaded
2h32
